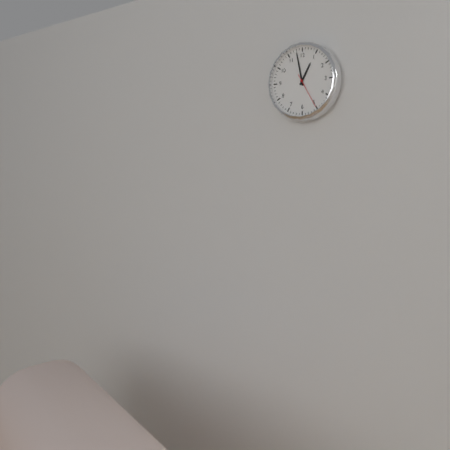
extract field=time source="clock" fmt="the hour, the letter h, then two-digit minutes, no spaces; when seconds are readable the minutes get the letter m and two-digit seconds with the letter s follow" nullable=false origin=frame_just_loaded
12h58
